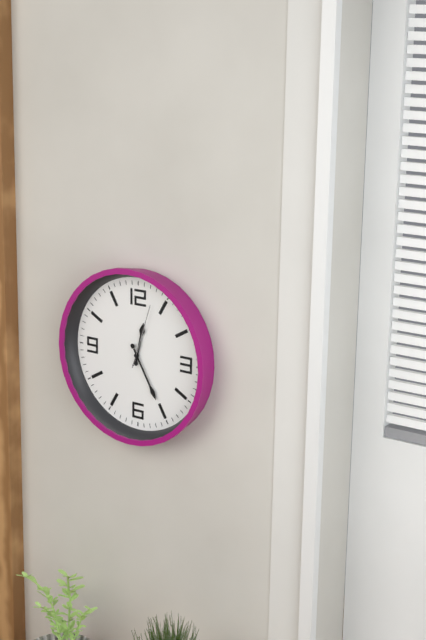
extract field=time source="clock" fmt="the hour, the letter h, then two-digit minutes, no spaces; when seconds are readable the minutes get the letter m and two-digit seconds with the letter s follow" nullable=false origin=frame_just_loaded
12h25m03s
